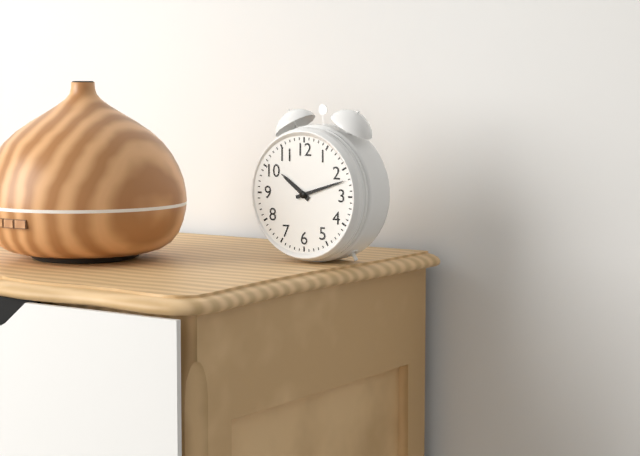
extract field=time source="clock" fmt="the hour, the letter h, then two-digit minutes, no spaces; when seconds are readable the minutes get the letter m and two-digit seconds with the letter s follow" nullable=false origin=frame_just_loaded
10h12
